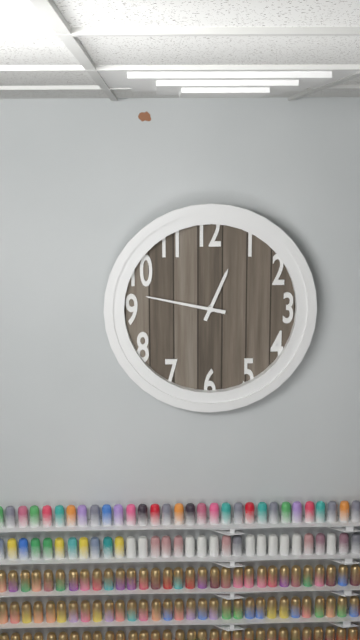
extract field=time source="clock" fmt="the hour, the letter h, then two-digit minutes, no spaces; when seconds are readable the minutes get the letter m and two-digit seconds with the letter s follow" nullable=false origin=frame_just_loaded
12h47
